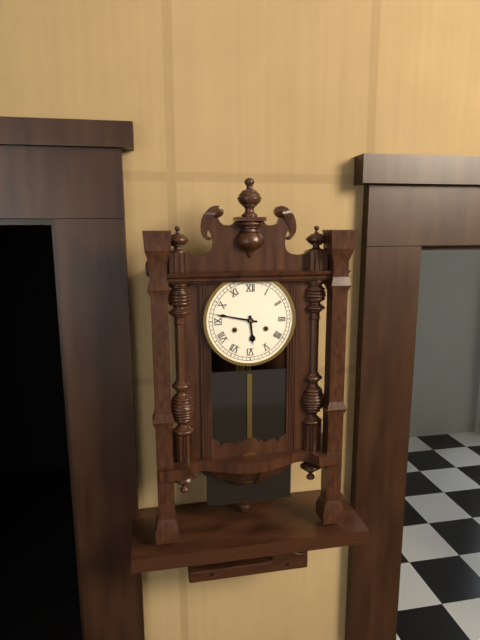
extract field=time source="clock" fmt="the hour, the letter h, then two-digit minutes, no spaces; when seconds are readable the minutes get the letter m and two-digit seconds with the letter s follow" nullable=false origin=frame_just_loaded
5h47
